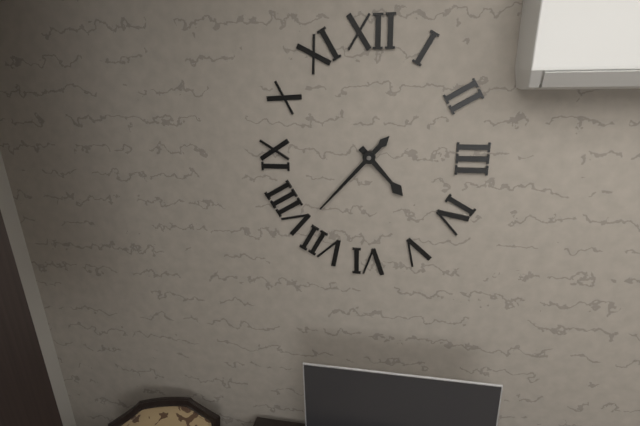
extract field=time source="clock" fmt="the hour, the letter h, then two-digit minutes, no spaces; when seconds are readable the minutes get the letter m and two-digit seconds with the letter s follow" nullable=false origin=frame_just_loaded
4h37
